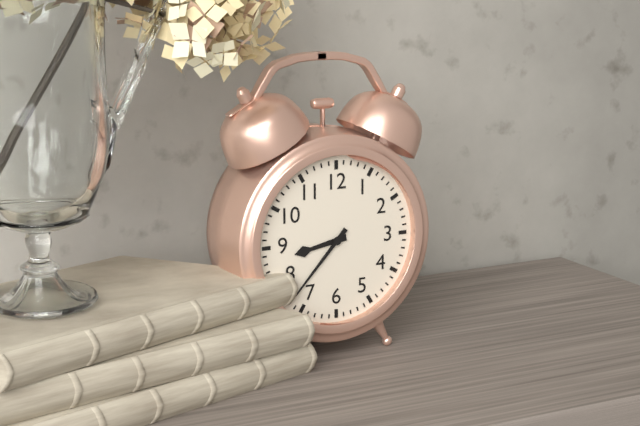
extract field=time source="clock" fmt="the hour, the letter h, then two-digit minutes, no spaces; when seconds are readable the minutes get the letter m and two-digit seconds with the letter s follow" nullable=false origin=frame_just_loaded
8h37
